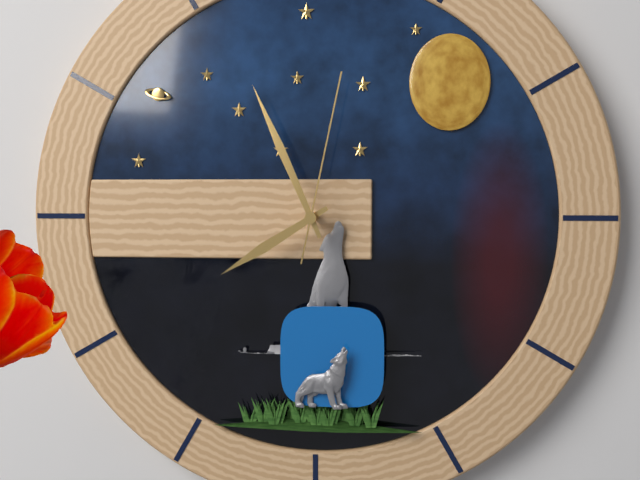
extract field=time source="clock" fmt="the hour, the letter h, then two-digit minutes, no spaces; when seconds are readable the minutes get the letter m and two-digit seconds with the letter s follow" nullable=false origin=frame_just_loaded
7h56m02s
